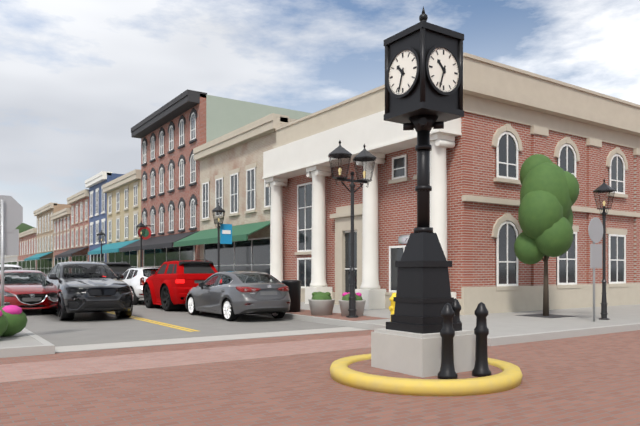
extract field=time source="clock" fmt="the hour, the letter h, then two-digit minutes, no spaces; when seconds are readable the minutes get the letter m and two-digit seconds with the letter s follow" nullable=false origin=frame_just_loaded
10h33
